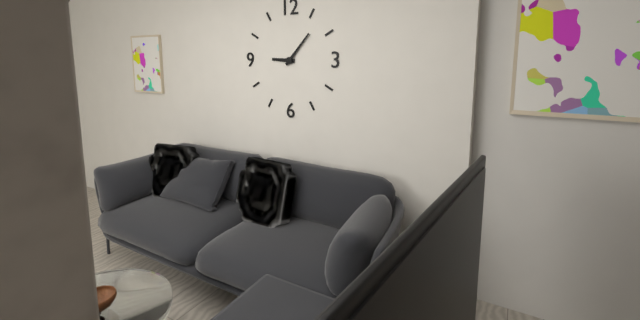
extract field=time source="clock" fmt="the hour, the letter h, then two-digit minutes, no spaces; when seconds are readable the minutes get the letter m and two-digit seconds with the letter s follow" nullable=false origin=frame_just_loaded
9h07
